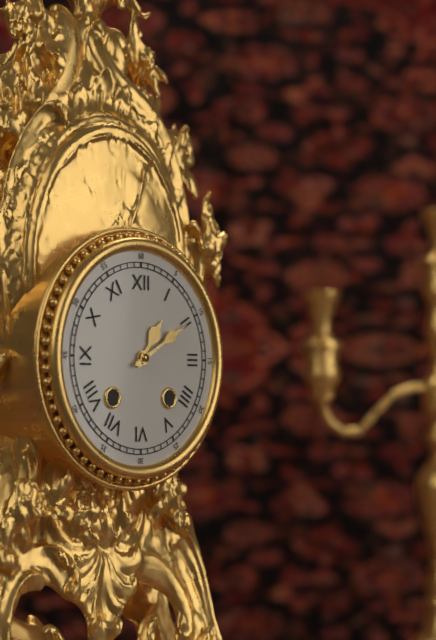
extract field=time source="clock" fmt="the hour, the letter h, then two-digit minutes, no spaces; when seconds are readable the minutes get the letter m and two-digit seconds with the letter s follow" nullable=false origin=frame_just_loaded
1h10
